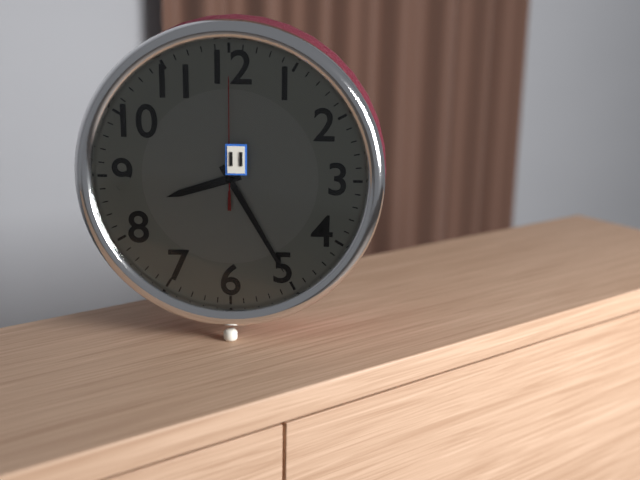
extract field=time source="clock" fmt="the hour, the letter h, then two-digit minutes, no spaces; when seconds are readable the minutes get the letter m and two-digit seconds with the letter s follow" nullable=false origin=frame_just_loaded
8h25m00s
